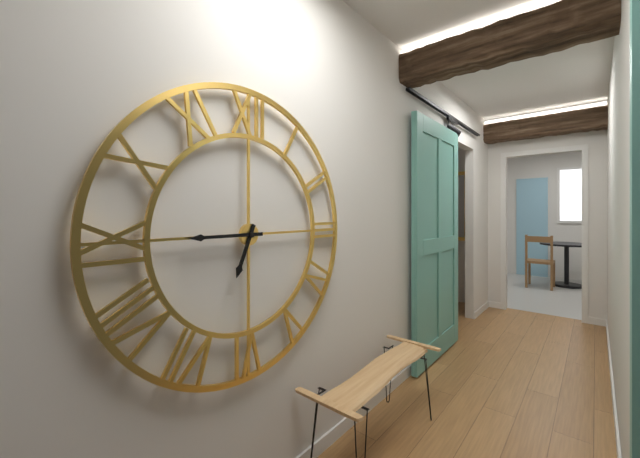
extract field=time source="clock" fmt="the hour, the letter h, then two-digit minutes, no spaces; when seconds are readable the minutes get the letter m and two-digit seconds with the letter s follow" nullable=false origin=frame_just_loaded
6h45
